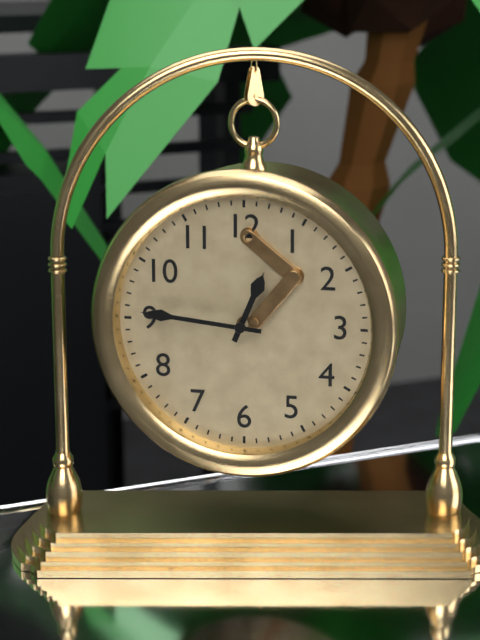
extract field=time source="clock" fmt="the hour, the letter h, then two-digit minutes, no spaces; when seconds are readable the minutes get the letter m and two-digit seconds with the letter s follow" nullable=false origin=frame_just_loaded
12h46
